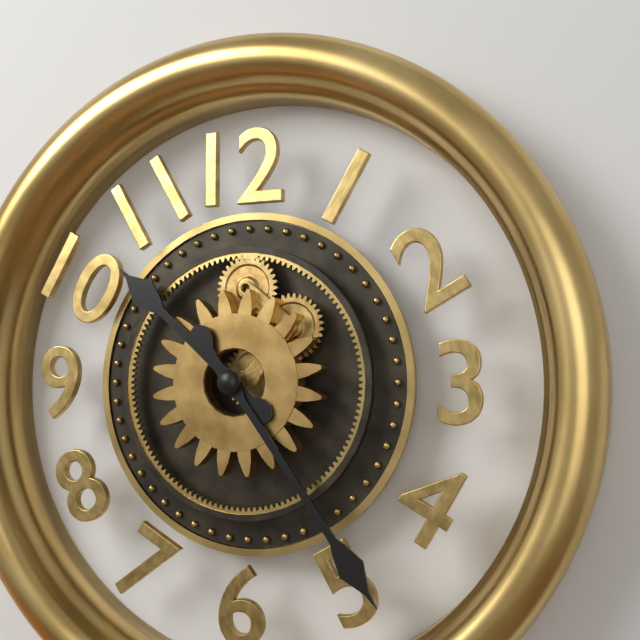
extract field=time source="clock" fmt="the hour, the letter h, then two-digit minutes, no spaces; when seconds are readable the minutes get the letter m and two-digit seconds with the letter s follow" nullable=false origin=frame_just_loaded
10h24
